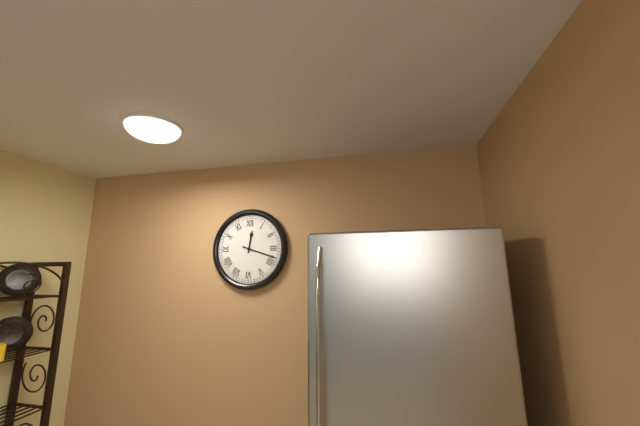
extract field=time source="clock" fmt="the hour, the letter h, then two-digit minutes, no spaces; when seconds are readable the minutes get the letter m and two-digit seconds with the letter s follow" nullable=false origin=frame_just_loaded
12h18
